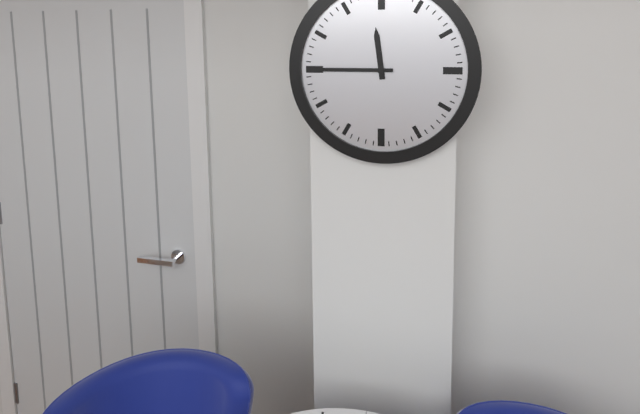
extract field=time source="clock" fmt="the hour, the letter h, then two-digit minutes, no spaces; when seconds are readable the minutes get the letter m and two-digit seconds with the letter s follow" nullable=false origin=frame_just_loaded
11h45
